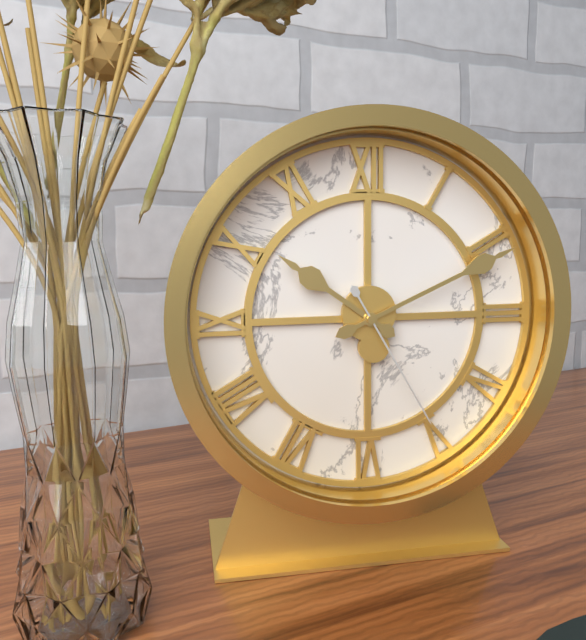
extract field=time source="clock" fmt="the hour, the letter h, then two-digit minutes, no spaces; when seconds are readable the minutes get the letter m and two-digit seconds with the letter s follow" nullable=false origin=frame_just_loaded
10h11m25s
